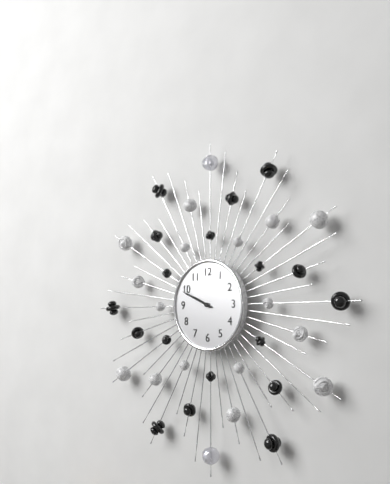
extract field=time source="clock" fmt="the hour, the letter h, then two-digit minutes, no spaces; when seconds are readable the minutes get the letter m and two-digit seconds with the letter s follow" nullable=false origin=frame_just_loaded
9h49
